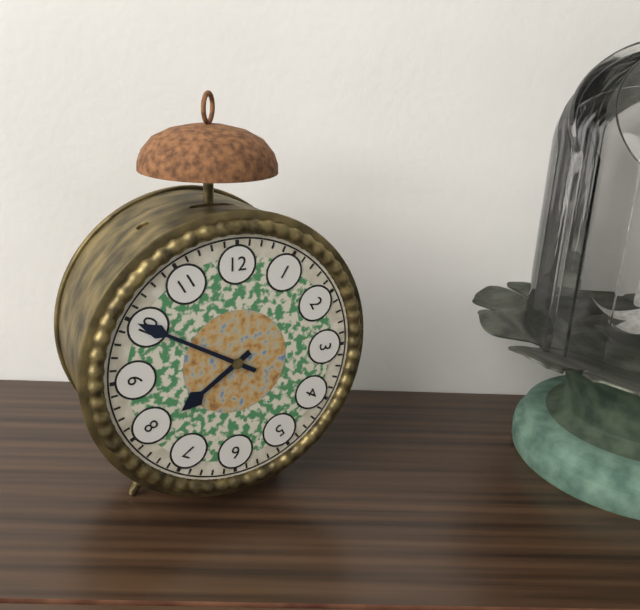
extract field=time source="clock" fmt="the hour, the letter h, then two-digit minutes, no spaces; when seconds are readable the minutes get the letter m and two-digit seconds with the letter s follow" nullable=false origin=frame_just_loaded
7h50
